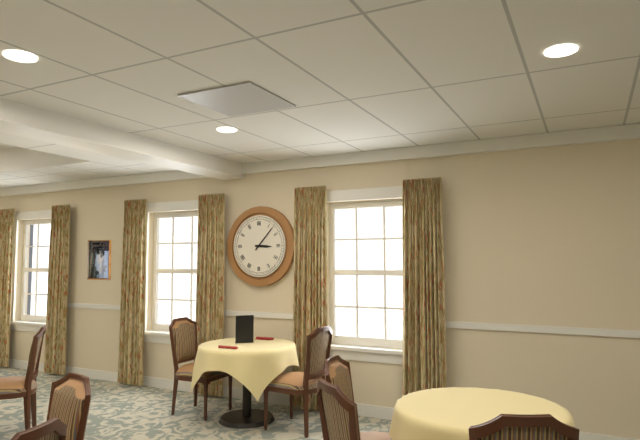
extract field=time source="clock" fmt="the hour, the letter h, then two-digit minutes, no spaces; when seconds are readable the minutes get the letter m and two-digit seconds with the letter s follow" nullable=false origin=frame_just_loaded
3h07
